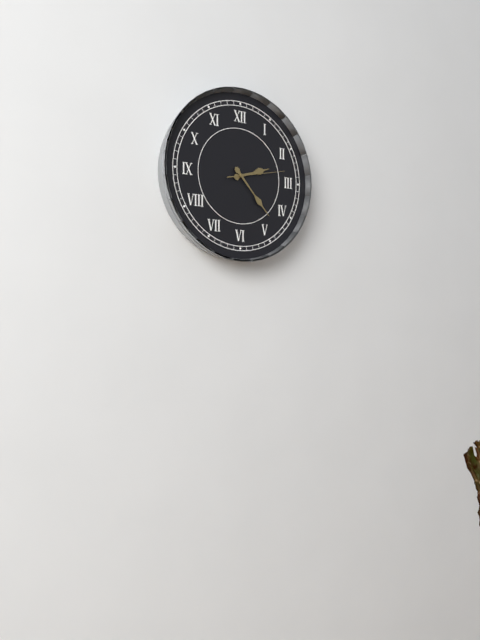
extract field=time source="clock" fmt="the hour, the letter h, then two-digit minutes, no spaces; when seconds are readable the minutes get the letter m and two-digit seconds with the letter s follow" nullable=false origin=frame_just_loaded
2h23m13s
